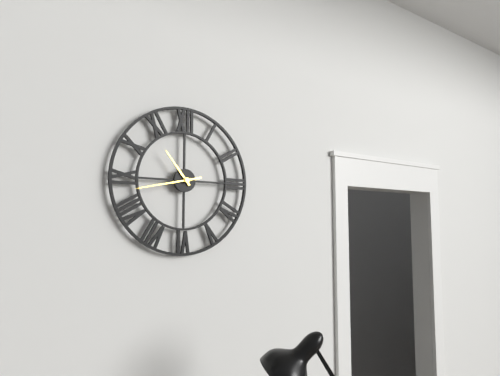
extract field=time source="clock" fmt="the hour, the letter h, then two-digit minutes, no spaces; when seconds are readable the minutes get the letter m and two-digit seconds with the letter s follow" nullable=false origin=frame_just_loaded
10h43
